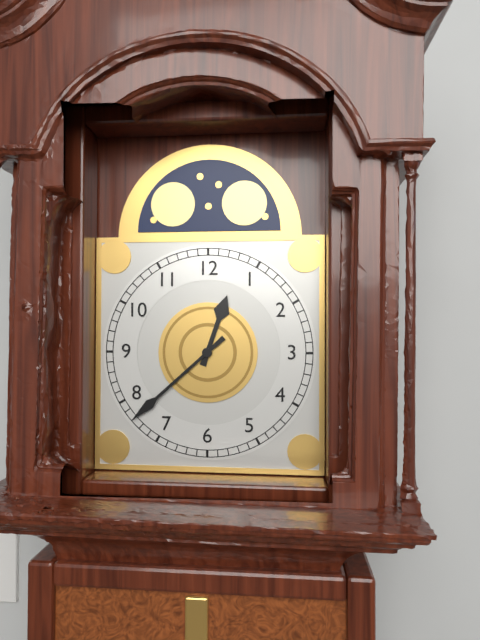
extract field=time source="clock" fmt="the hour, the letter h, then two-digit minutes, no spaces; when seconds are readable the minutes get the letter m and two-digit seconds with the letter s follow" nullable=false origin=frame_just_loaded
12h38
